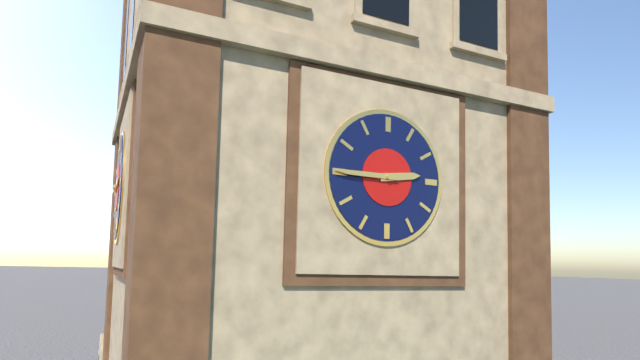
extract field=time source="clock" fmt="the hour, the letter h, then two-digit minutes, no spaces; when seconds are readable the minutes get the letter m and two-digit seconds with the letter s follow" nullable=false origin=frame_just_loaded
2h45
